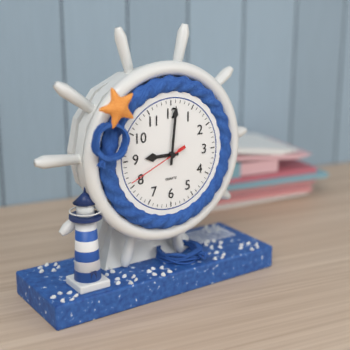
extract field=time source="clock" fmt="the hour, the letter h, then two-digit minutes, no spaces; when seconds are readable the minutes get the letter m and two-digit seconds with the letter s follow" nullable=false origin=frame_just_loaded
9h01m41s
